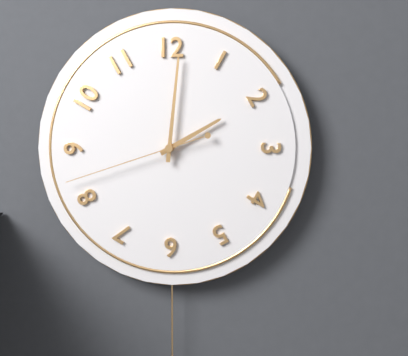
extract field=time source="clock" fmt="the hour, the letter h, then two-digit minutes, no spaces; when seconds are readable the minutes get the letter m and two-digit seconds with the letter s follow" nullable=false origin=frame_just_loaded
2h01m42s
